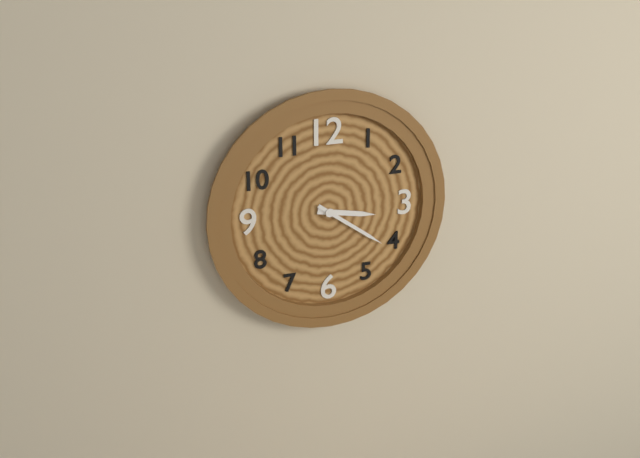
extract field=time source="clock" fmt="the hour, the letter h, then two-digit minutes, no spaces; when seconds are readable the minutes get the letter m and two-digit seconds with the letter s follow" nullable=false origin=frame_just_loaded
3h21
